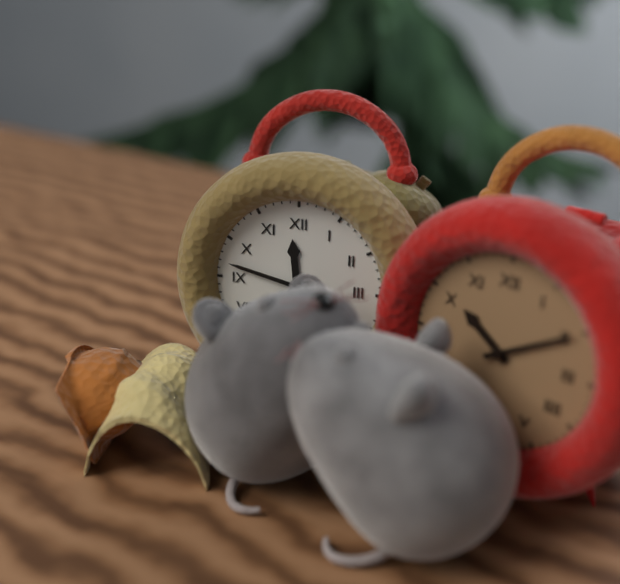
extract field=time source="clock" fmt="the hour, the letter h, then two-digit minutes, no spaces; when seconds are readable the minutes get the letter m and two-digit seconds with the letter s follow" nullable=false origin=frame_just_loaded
11h47
